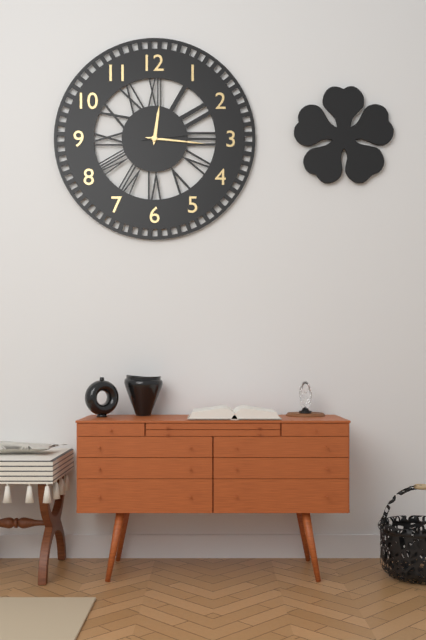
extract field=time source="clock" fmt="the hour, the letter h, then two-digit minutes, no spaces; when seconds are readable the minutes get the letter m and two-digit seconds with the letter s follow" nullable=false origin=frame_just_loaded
12h16m14s
